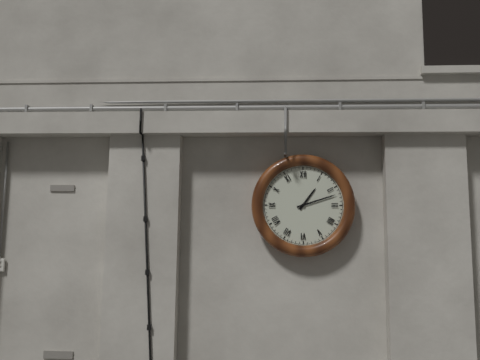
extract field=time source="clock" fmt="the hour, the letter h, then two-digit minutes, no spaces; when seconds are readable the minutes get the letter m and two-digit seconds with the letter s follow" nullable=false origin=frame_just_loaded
1h12
